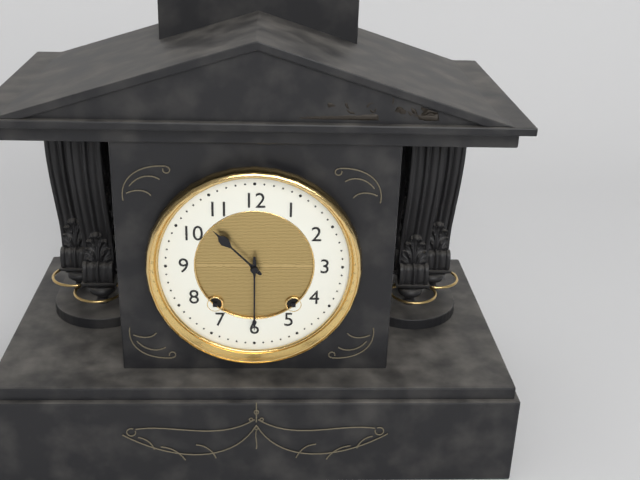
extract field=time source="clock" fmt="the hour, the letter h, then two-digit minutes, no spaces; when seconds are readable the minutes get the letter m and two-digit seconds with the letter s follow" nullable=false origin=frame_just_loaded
10h30
